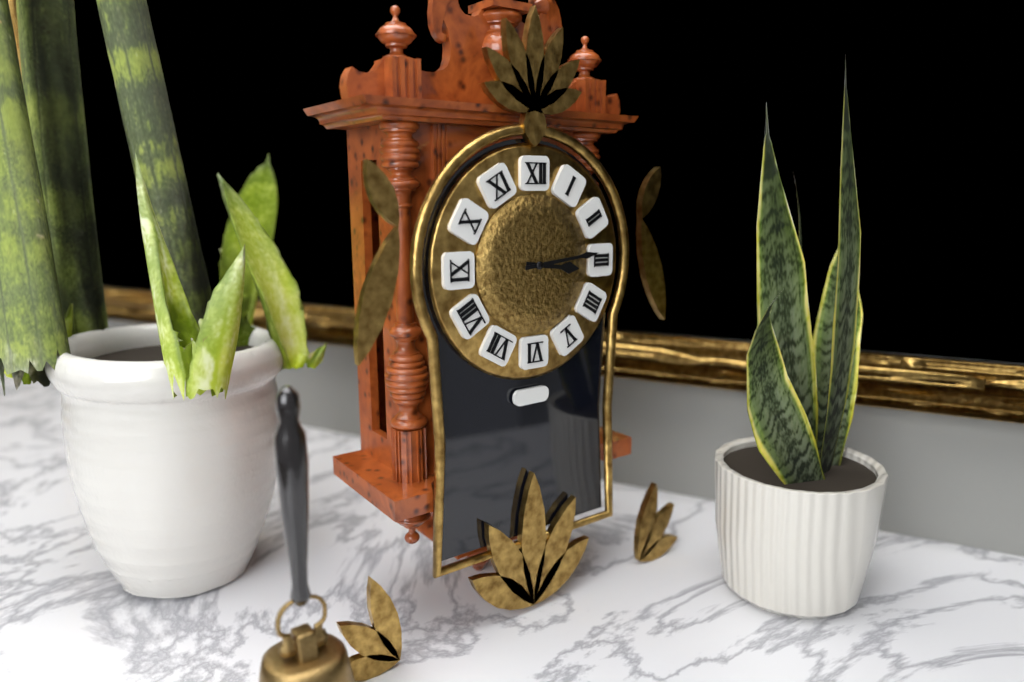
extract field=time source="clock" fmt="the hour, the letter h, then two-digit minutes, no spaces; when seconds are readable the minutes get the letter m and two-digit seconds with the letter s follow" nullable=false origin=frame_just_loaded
3h14
